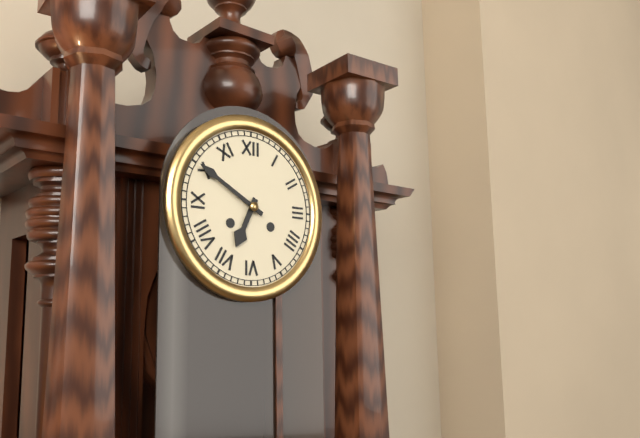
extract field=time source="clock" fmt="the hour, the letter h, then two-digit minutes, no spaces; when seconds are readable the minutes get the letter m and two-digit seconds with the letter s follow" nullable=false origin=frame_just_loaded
6h50
